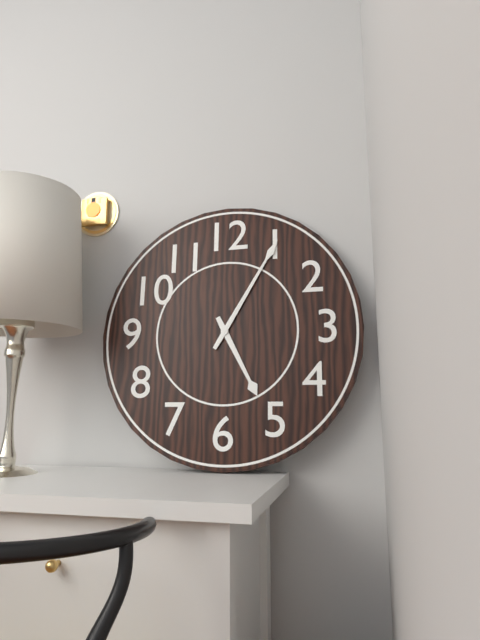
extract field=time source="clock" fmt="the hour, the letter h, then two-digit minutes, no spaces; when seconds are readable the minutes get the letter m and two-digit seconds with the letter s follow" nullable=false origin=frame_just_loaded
5h05
